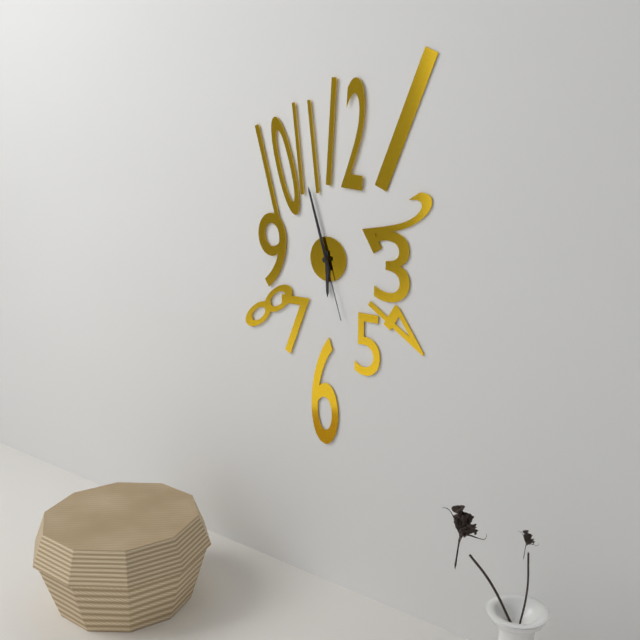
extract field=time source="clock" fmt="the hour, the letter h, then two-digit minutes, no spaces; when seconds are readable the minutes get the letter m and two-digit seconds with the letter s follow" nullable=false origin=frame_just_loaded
5h57m27s
